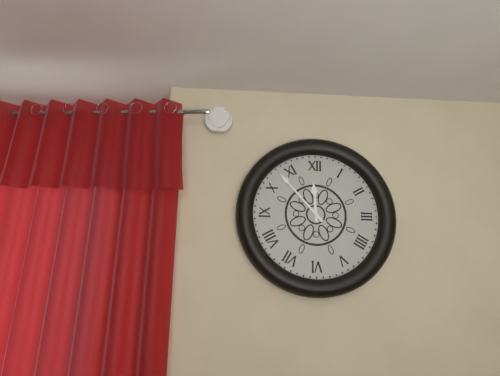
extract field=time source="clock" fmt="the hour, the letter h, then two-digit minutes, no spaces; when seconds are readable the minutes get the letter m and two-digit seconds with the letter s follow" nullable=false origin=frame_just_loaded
11h53
